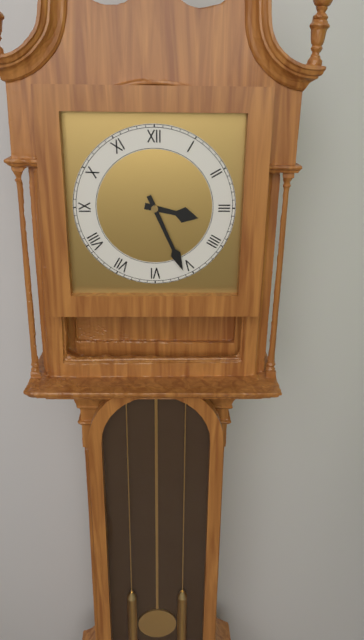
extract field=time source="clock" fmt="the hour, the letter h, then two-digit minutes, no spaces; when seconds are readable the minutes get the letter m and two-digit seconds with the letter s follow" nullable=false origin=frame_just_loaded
3h26
